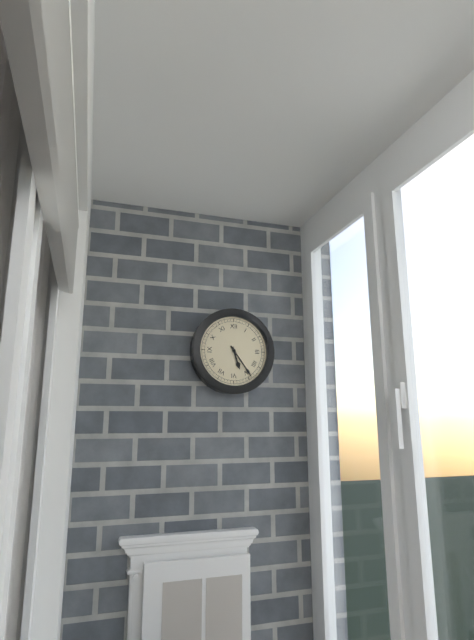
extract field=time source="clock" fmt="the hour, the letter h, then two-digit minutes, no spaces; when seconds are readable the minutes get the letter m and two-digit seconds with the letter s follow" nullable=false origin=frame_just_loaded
5h24
